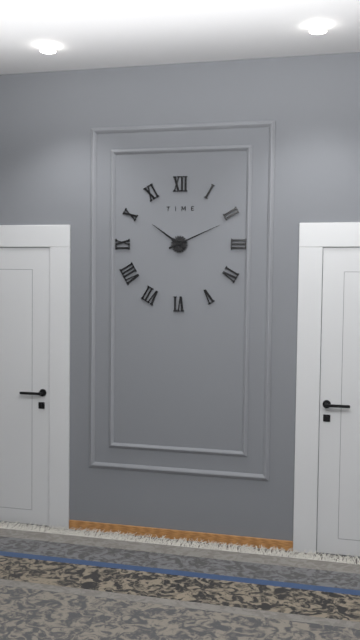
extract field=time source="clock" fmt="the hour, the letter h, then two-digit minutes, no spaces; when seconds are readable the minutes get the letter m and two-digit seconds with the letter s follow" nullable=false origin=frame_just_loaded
10h11
